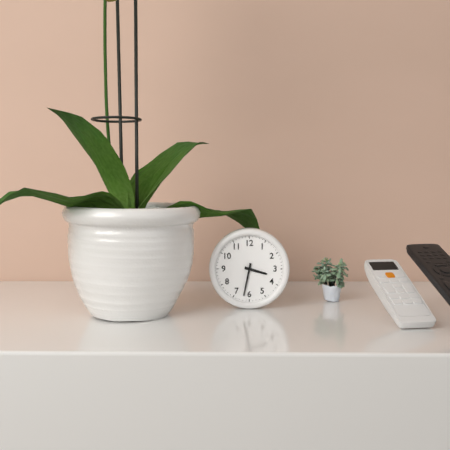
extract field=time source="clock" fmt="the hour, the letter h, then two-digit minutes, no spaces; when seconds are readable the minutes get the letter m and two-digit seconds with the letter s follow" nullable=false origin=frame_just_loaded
3h32
